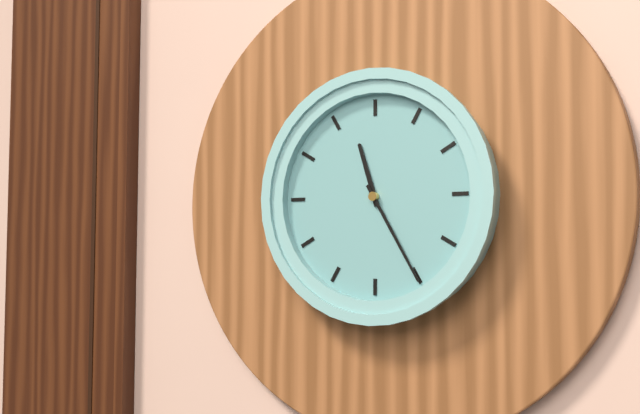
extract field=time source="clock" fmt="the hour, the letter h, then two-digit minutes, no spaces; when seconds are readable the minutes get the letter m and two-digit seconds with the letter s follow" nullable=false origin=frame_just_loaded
11h25
